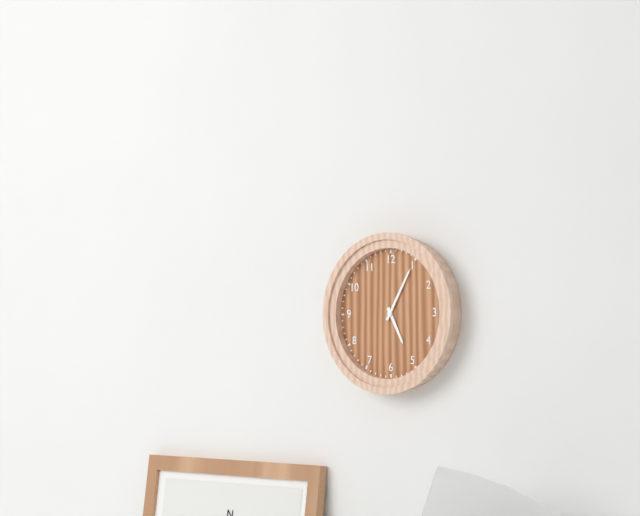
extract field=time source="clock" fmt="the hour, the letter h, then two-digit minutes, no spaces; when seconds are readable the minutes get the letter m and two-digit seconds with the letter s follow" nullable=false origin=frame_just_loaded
5h05
